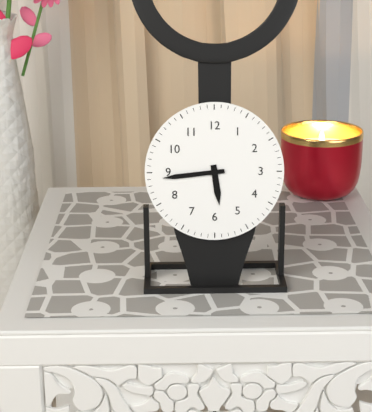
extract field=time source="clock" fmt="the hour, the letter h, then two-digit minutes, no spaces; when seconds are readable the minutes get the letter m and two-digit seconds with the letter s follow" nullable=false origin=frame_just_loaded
5h44
